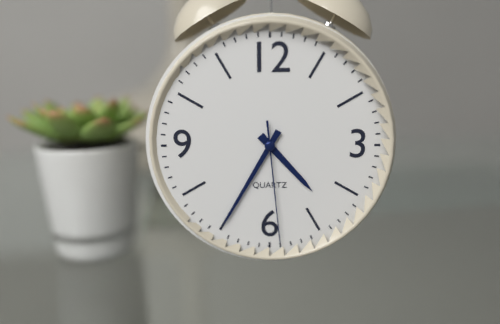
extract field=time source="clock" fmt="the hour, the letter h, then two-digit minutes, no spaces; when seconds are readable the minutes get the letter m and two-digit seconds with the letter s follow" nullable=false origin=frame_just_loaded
4h35m29s
